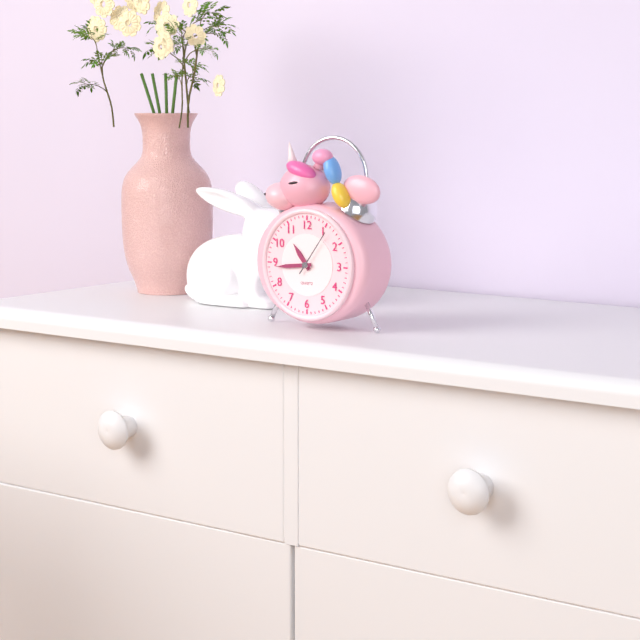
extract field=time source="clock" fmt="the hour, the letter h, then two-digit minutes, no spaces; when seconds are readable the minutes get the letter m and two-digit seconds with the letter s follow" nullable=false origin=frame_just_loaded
10h44
